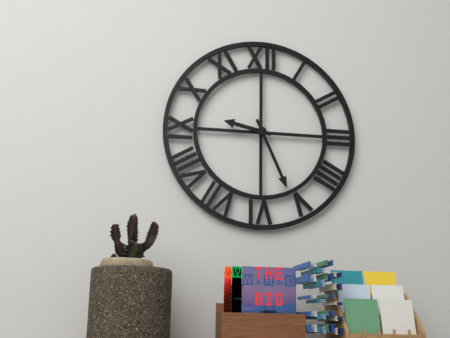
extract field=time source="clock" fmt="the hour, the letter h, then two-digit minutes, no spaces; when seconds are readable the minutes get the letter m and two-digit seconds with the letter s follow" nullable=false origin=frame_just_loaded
9h26
